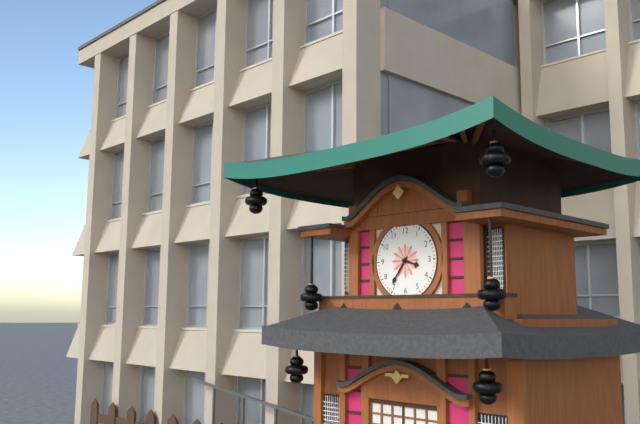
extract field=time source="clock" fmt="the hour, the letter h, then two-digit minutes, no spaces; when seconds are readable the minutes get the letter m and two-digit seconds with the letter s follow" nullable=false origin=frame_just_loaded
3h36
